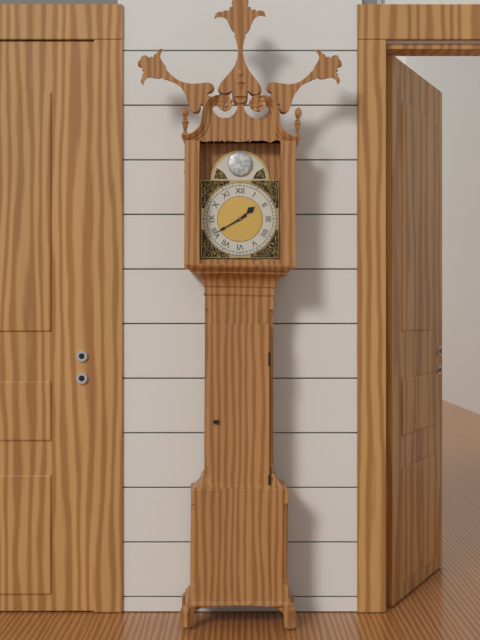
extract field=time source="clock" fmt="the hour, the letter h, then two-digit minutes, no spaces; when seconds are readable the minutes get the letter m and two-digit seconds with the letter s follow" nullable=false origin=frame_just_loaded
1h40
